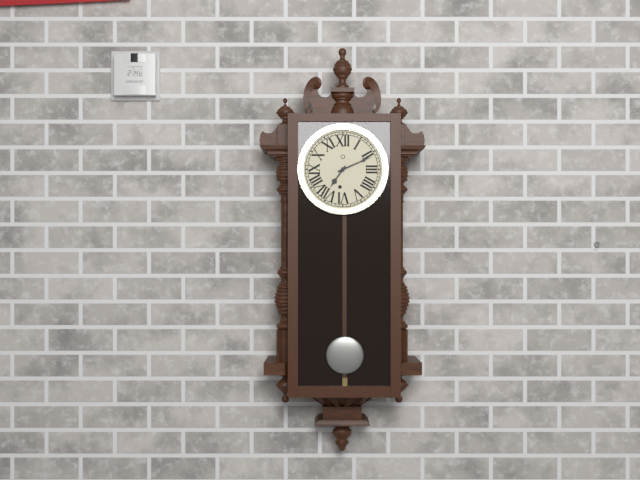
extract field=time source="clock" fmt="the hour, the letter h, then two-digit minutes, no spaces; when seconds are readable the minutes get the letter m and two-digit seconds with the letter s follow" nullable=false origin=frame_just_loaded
7h11
